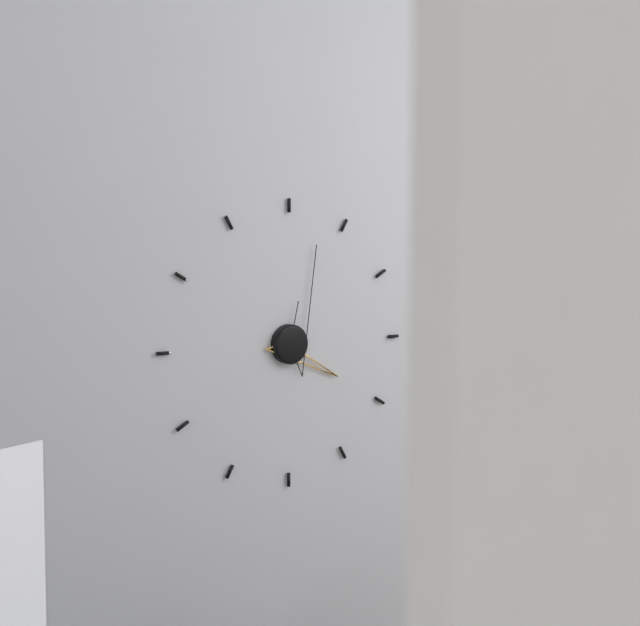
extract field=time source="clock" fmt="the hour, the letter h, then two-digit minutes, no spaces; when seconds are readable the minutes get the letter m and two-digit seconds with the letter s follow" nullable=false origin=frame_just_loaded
4h03
